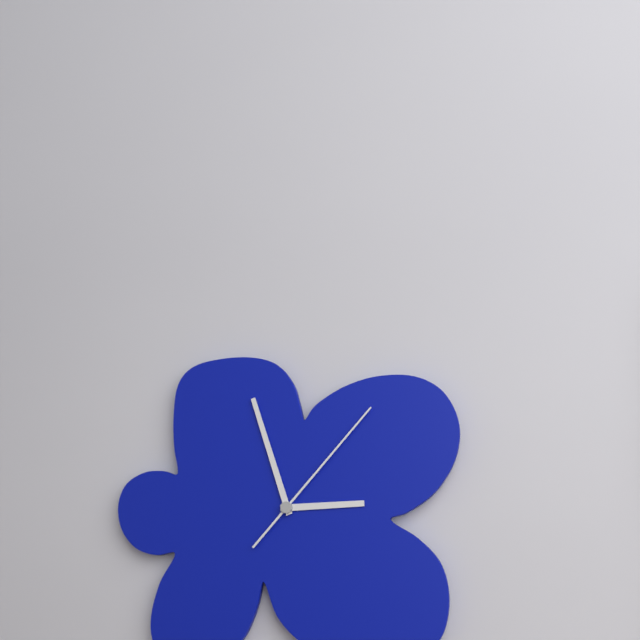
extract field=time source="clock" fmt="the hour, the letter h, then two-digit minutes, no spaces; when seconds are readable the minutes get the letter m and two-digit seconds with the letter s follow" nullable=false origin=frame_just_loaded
2h57m07s
